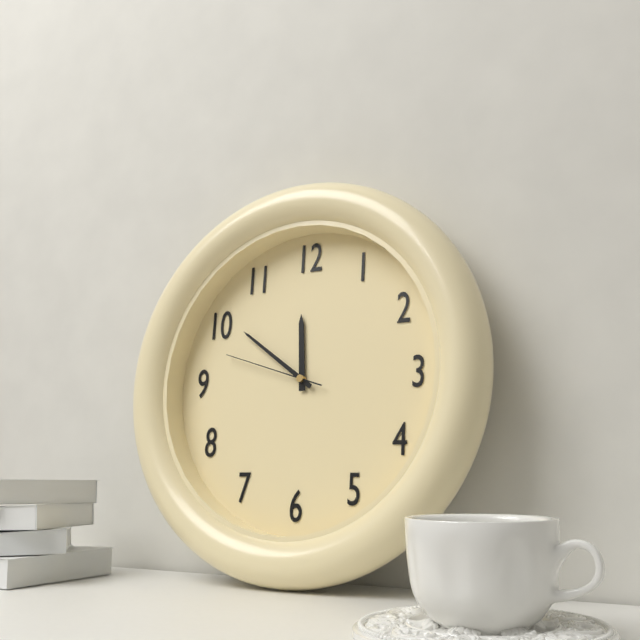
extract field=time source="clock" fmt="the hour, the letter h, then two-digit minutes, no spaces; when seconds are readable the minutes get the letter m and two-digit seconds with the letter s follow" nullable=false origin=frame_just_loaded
11h51m48s
